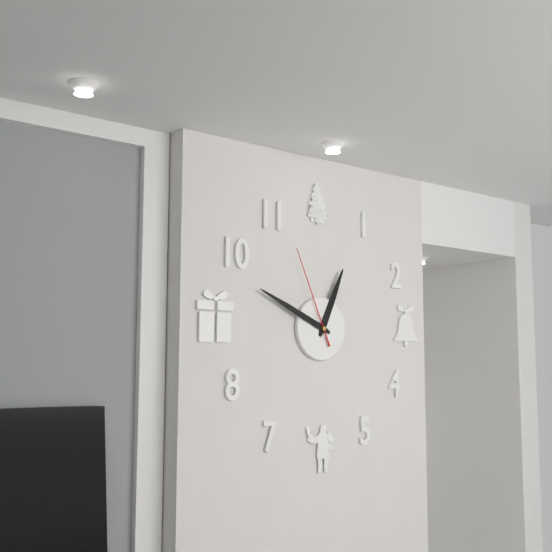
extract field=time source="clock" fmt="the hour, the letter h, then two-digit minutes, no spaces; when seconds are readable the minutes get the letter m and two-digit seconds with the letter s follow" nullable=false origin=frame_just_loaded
12h49m56s
